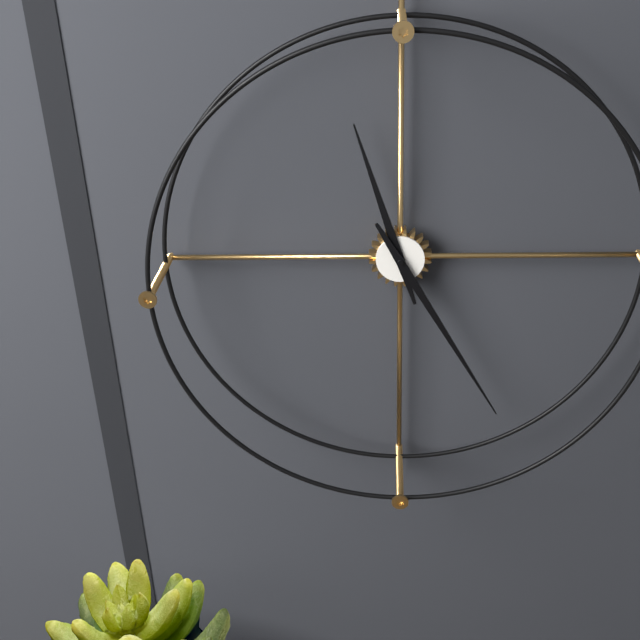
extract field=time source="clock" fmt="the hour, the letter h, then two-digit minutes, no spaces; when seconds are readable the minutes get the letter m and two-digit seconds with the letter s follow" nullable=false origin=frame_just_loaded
11h25
